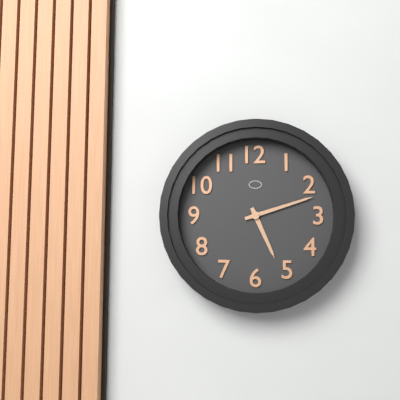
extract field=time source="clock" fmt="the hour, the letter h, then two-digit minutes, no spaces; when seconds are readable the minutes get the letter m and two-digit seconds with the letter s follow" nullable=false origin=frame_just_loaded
5h12
